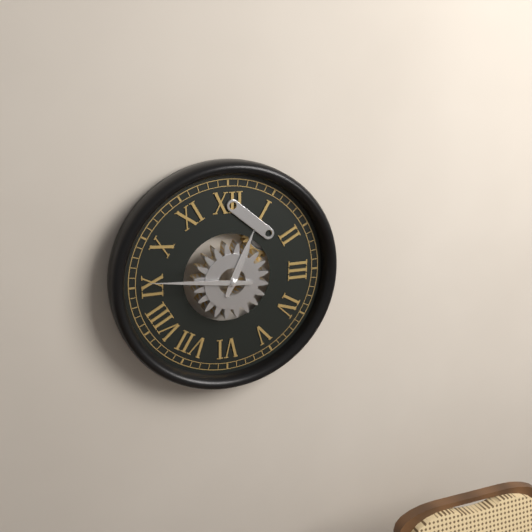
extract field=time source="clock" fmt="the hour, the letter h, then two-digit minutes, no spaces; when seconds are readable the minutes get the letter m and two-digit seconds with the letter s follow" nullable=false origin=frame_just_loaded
12h46
